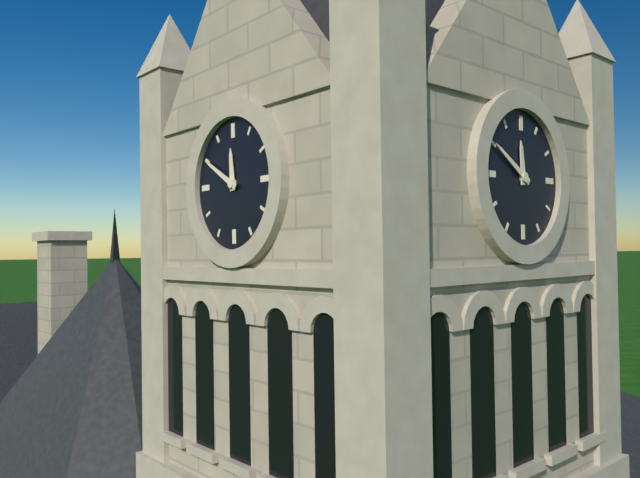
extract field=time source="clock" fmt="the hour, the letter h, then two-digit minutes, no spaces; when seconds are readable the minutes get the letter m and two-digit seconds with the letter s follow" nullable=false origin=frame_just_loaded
11h50
